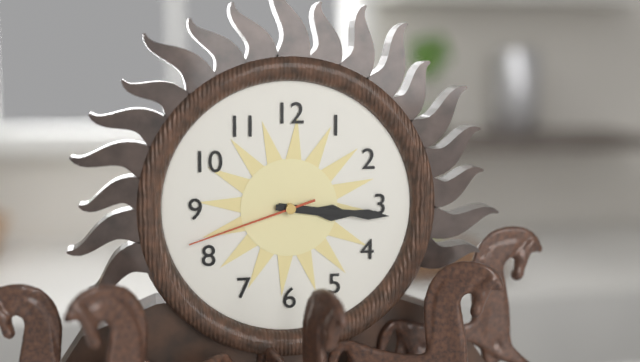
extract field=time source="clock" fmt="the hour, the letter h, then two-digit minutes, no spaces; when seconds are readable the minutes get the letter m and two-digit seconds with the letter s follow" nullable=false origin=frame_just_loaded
3h16m42s
